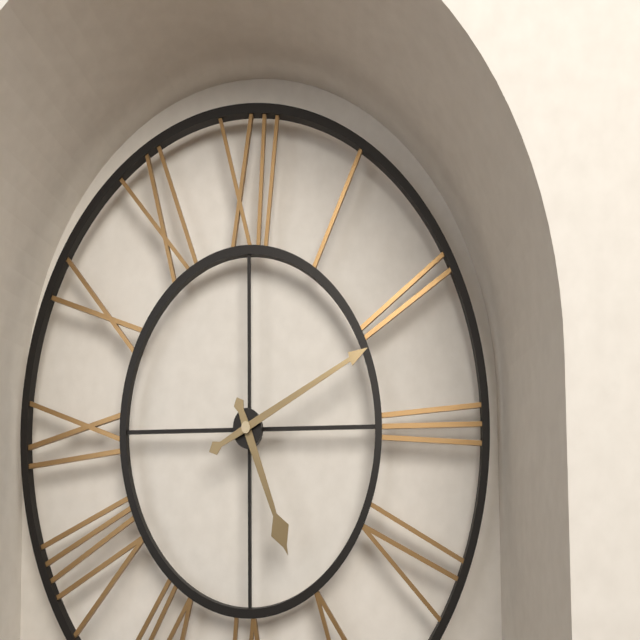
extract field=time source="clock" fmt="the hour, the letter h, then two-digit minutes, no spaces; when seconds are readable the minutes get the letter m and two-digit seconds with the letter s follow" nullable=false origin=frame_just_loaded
5h11
